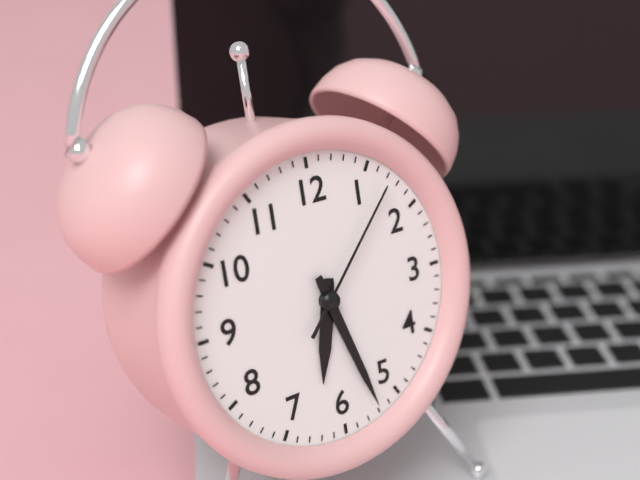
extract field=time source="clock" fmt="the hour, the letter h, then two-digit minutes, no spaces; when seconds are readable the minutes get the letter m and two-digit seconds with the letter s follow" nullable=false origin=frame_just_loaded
6h27m07s
